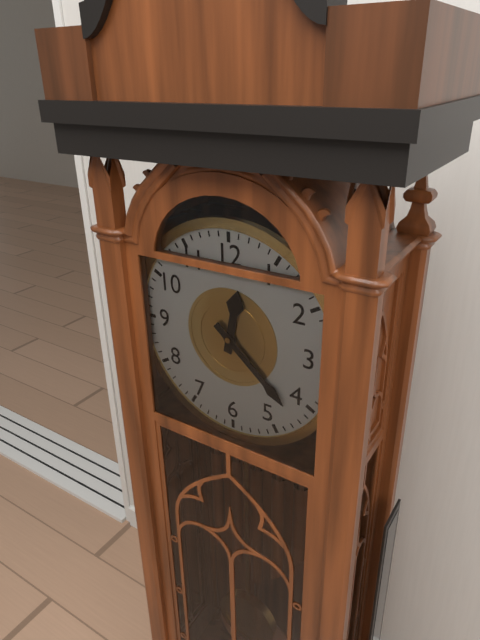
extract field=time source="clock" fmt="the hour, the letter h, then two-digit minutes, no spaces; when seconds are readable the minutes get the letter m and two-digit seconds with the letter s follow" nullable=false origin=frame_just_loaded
12h22
